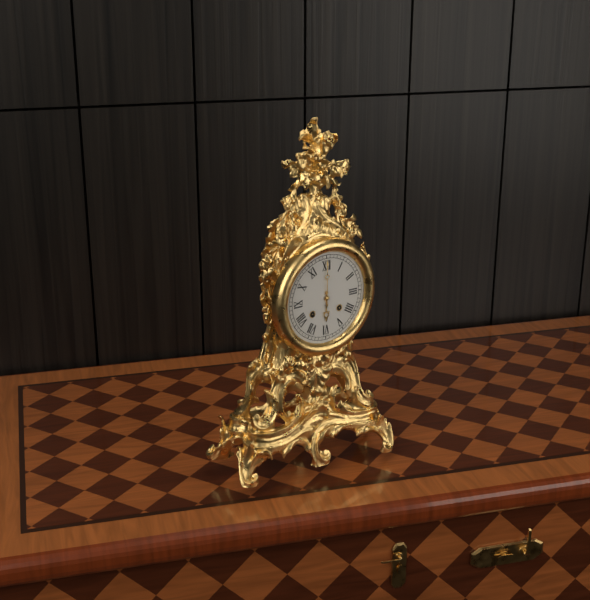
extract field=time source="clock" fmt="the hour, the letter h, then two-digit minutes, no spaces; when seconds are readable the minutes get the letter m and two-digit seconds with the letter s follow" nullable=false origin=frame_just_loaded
6h00
